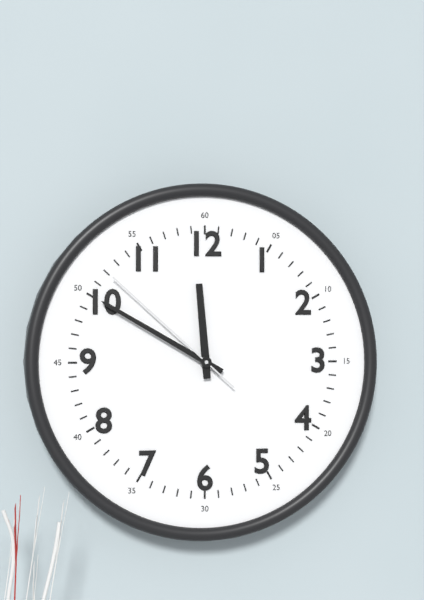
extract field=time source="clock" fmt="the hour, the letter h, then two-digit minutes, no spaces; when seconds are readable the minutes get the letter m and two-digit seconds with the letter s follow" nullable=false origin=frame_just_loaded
11h50m52s
